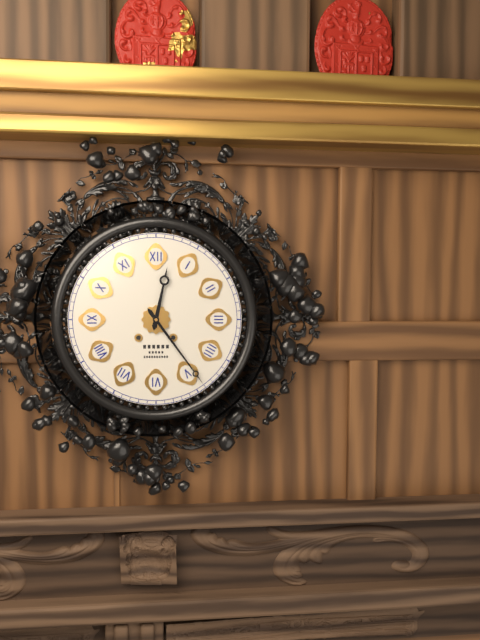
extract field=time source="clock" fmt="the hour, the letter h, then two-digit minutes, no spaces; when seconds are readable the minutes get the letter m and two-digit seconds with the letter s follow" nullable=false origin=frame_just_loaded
12h24
